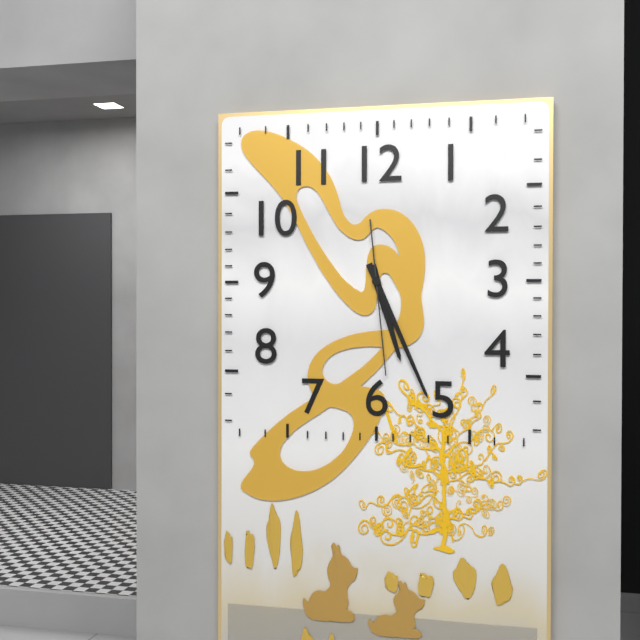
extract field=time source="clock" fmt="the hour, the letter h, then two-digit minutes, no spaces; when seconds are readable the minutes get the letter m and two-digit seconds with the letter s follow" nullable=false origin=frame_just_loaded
5h26m29s
